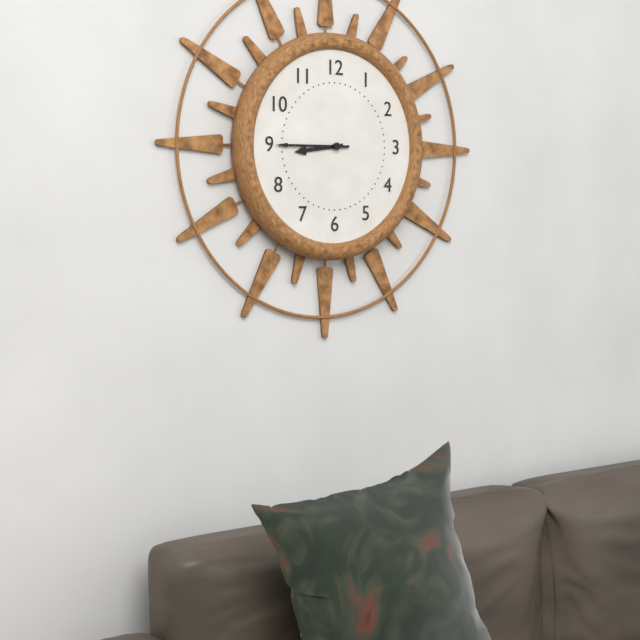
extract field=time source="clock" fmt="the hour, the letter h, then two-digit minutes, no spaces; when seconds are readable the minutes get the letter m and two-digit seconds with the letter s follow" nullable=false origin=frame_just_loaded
8h45
